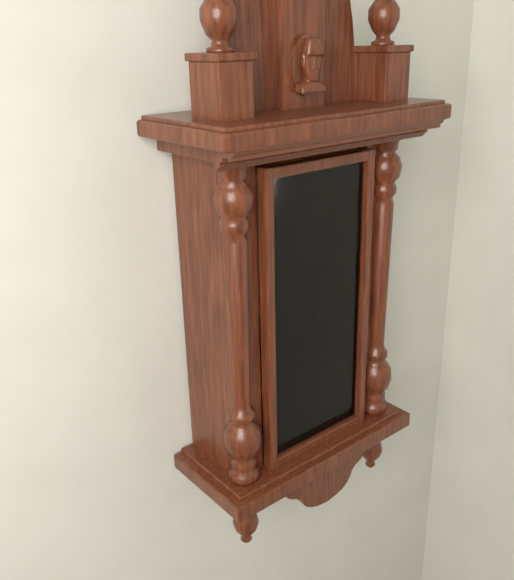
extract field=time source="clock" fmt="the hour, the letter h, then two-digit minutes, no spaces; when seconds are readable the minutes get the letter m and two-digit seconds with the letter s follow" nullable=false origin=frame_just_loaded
6h48
